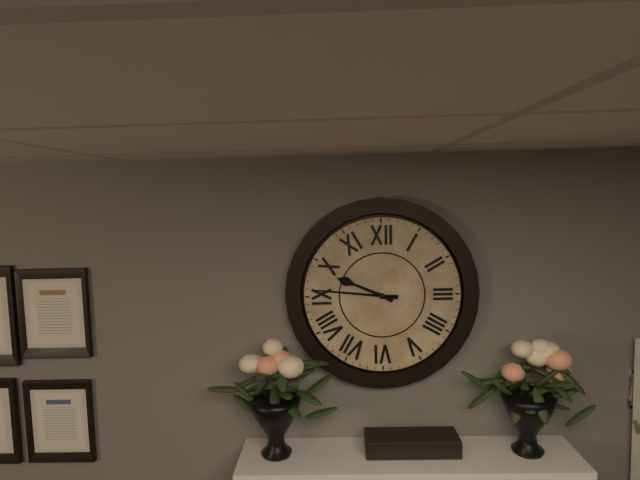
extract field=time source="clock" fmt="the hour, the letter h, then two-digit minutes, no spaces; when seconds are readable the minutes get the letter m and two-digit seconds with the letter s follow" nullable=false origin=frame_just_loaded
9h46
